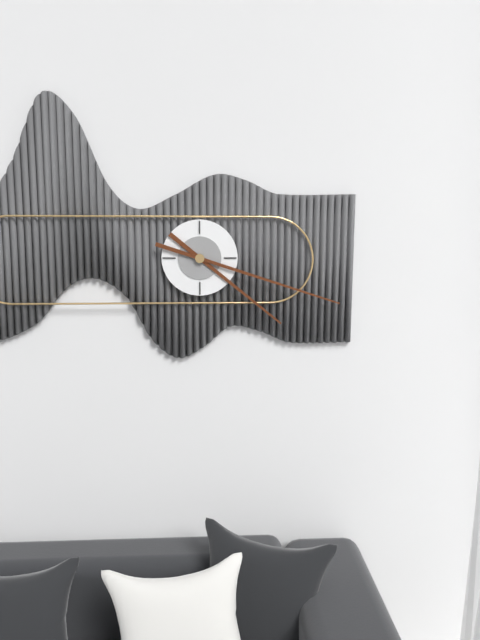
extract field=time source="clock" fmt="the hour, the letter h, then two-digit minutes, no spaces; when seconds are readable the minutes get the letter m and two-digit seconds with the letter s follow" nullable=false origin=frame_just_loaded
4h18
